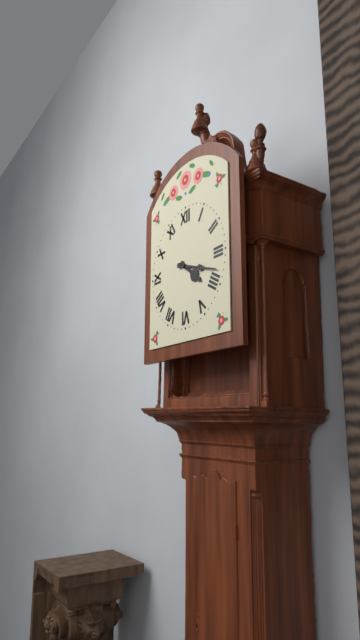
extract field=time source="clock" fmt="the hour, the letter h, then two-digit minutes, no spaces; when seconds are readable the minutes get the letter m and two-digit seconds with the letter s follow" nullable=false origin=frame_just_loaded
4h18
